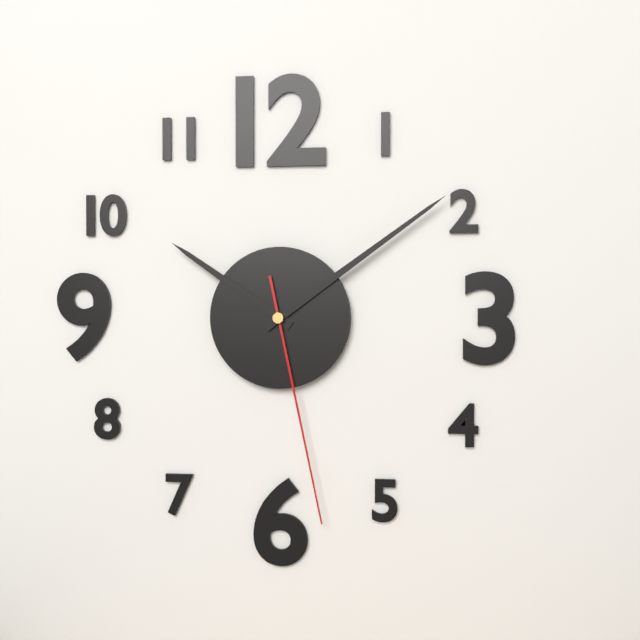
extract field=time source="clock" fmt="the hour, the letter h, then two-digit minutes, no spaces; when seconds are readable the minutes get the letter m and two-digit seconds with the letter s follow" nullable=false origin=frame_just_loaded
10h09m28s
